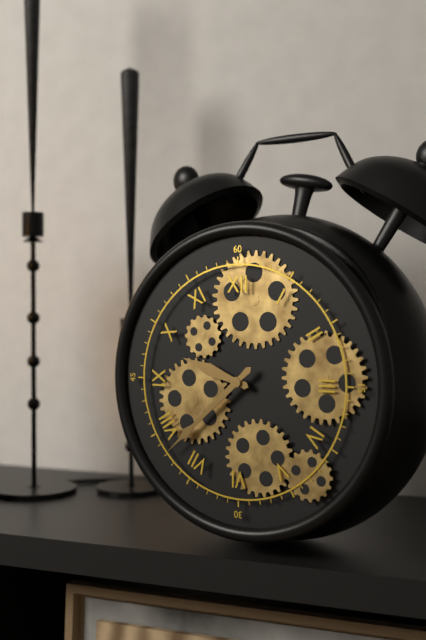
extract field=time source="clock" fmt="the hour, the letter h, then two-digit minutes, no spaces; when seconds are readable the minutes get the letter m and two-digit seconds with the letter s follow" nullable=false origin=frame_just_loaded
9h38
